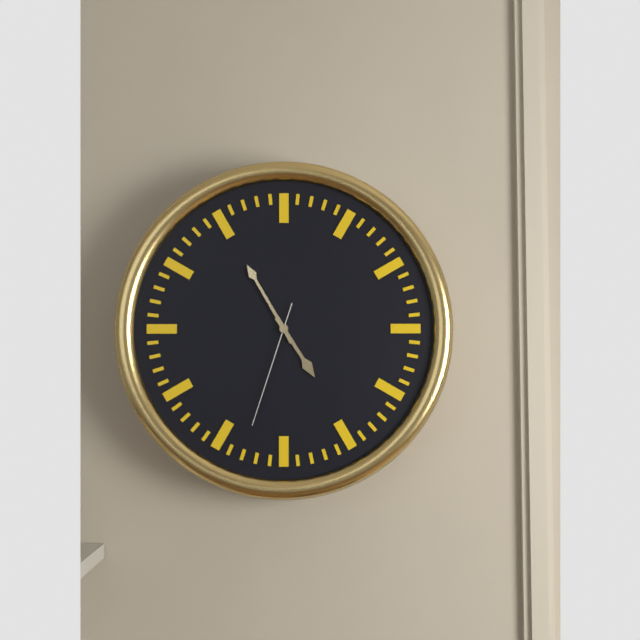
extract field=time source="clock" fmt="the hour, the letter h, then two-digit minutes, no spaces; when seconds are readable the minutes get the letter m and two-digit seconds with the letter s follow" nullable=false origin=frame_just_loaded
4h55m33s
